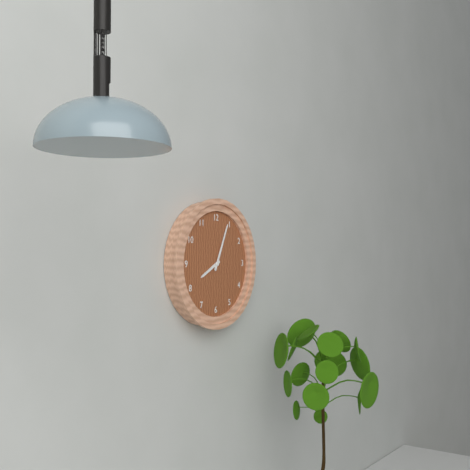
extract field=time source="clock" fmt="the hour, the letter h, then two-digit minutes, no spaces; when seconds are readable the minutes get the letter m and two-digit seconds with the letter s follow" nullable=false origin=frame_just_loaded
8h04
